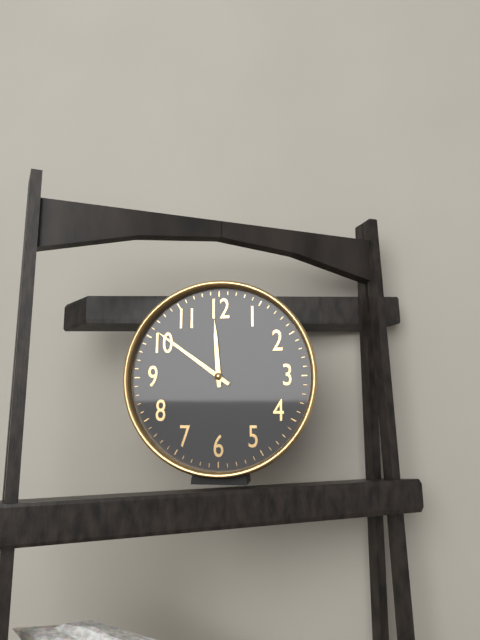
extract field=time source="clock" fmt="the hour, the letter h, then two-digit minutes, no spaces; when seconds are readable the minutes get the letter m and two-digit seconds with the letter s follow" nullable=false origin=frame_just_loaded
11h51
